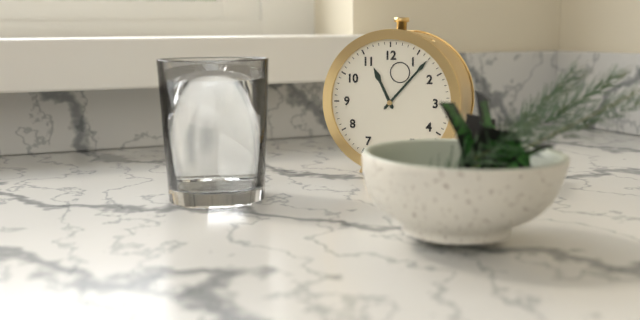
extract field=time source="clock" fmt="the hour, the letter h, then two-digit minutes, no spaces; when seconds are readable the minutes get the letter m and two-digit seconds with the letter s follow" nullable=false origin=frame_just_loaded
11h07
